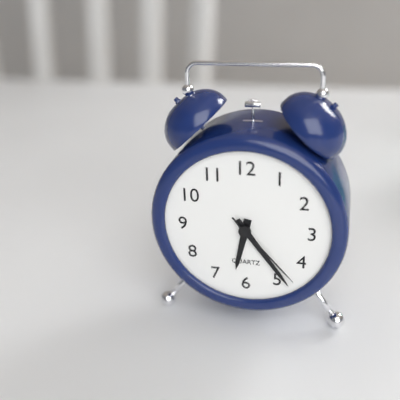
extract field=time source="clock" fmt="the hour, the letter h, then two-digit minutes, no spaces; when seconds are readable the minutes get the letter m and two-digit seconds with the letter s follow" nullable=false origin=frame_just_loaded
6h24m23s
